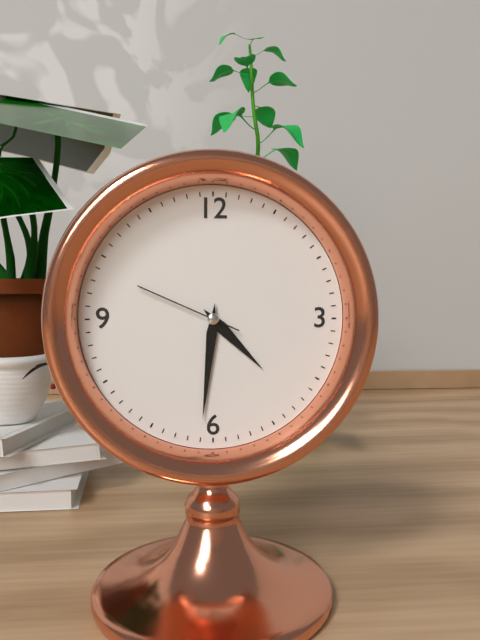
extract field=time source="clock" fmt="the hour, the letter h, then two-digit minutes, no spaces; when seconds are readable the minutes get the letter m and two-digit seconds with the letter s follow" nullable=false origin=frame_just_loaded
4h31m49s
